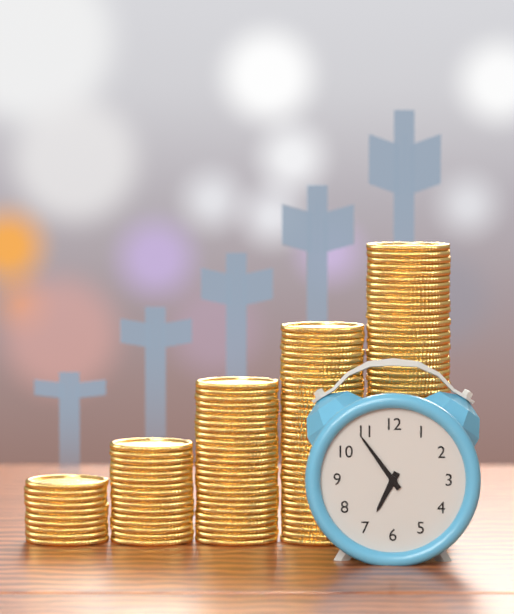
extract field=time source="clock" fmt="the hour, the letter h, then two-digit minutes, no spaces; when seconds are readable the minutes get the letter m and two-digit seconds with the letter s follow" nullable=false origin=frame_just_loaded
6h54
